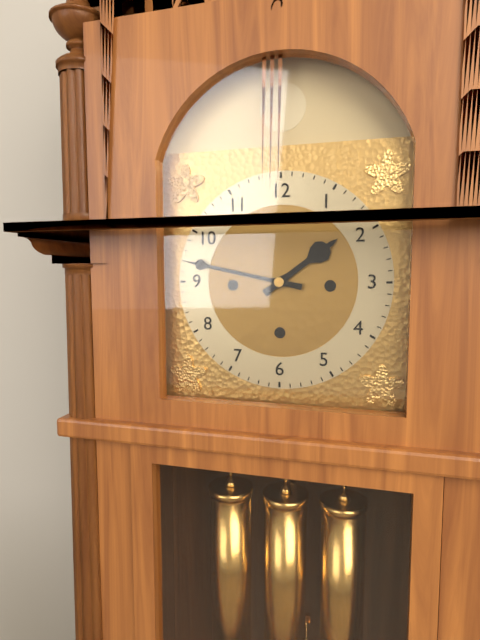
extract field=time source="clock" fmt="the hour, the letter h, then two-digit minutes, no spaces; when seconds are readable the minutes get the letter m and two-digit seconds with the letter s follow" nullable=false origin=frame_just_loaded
1h47
